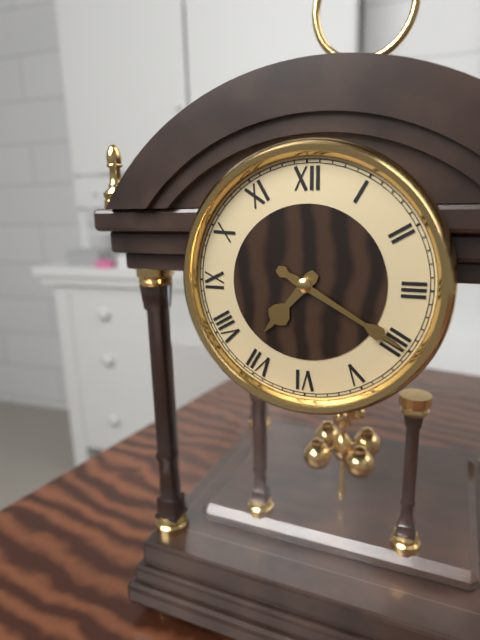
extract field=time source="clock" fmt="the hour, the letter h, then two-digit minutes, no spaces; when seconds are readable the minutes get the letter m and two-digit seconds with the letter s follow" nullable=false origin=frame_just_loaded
7h20
